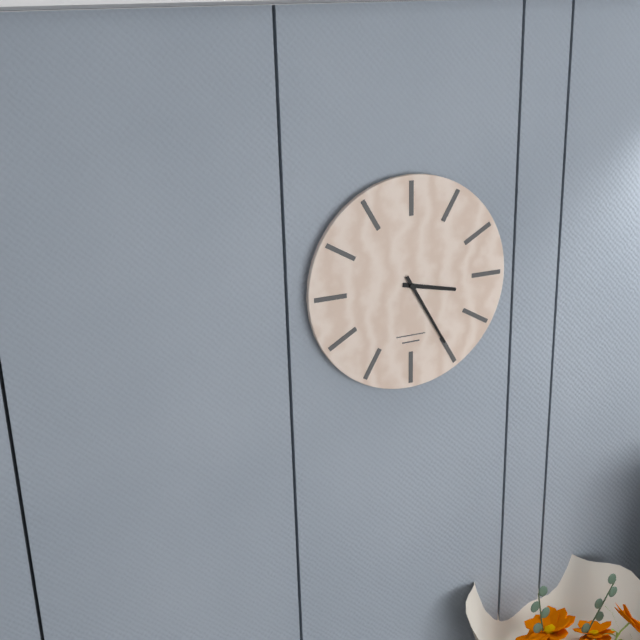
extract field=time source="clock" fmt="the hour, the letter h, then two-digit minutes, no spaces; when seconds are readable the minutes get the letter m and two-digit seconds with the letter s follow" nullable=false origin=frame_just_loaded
3h25
